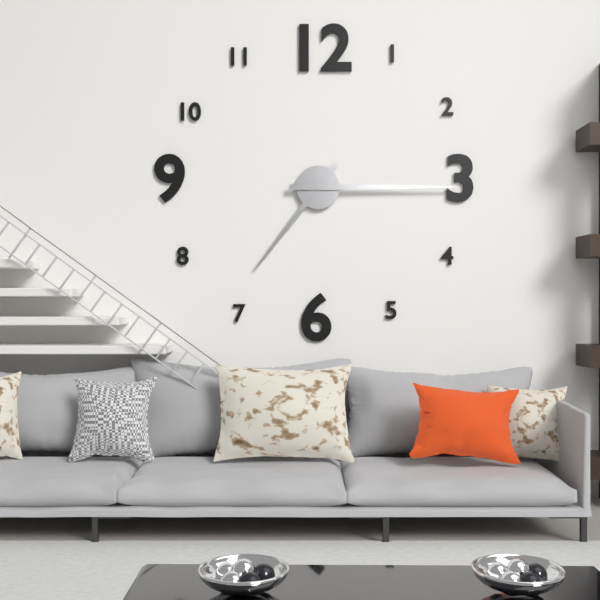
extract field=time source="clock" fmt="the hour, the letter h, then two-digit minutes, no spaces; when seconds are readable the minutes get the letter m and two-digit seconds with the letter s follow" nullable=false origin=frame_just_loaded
7h15
